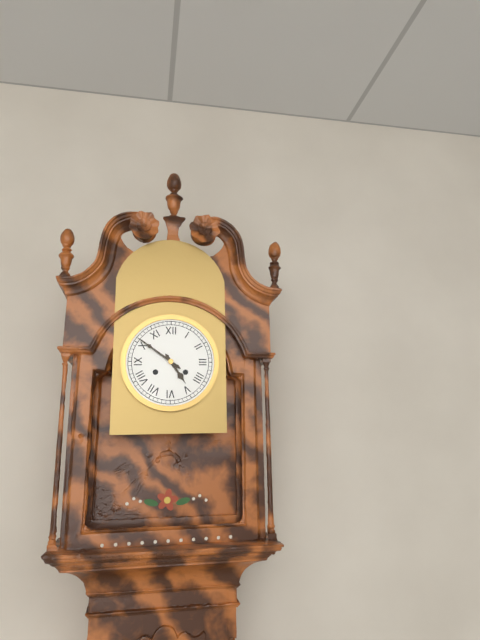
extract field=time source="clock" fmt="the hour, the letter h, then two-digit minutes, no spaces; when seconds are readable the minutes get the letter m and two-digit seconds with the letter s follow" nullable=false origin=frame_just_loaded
4h51
